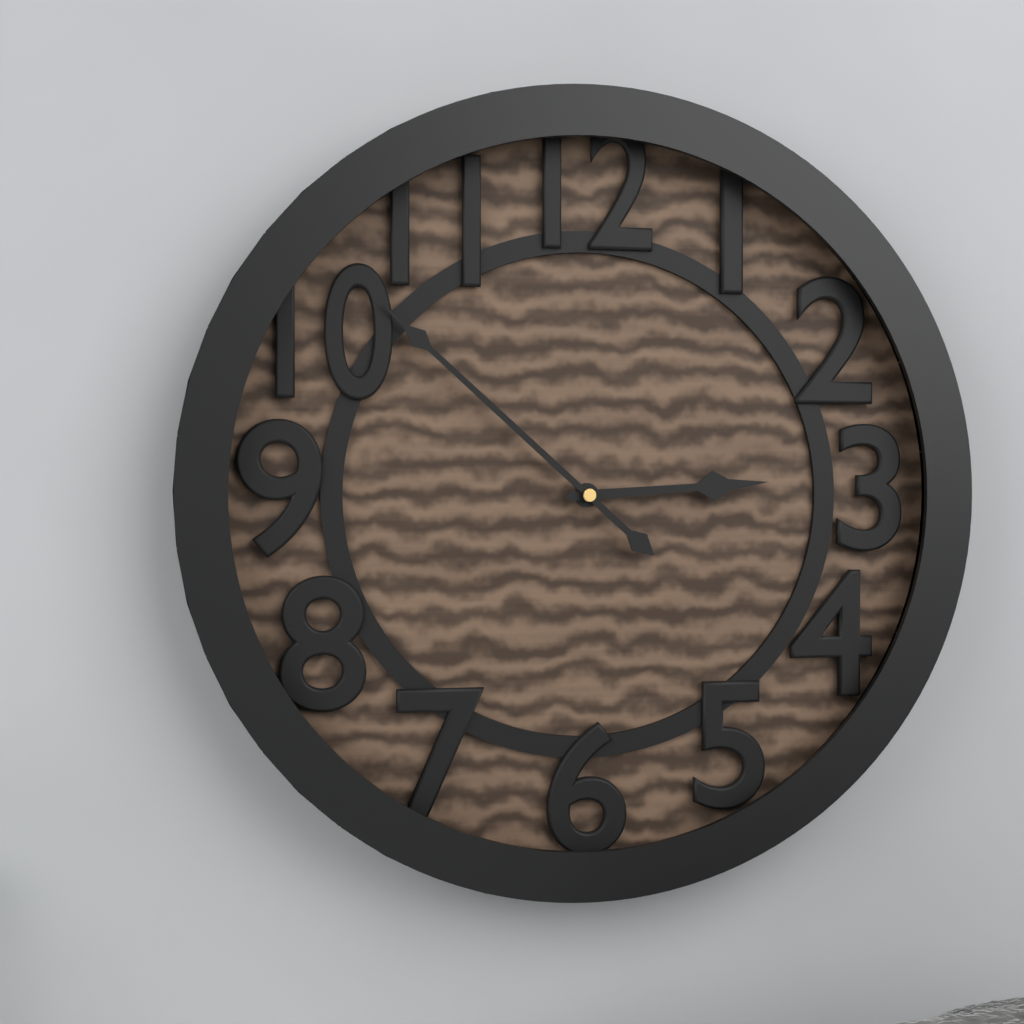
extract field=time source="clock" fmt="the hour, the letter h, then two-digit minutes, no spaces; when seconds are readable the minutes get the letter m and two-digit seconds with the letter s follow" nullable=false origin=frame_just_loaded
2h52
